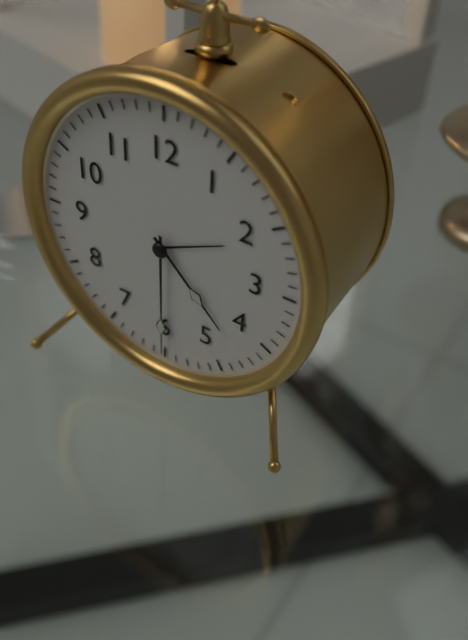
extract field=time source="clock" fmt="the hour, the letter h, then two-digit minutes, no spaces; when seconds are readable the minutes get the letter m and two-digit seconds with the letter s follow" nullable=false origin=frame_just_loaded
4h30
